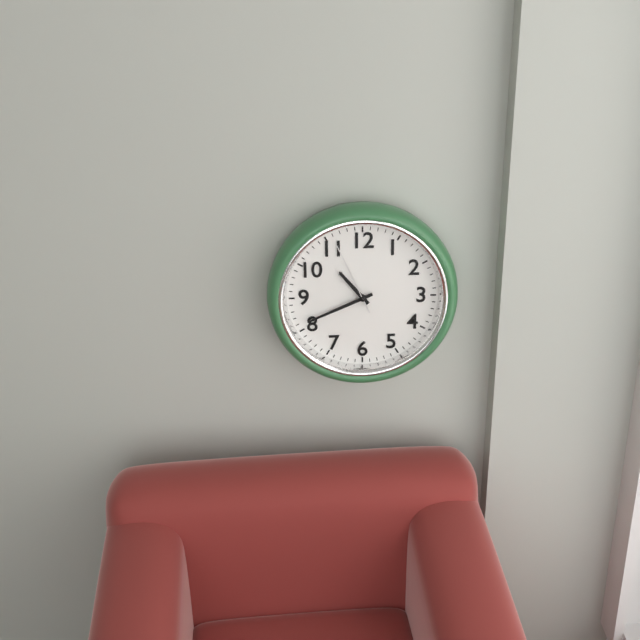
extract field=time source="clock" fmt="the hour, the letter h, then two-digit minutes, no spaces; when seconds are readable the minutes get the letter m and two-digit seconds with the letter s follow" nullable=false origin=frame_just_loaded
10h41m56s
